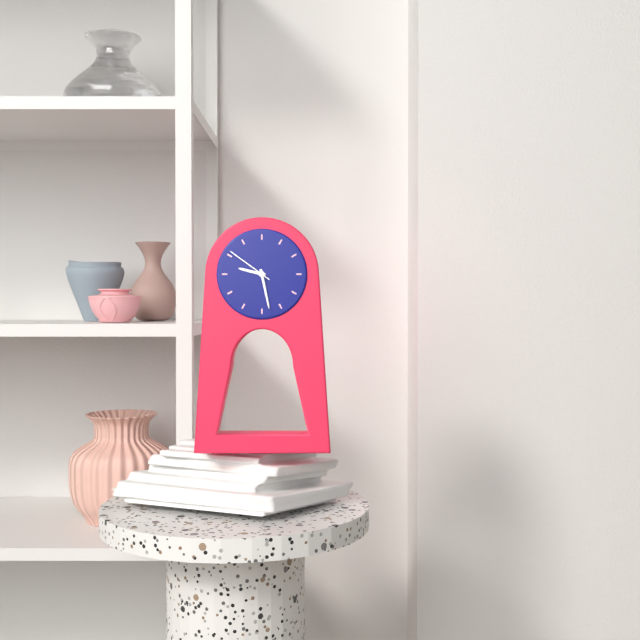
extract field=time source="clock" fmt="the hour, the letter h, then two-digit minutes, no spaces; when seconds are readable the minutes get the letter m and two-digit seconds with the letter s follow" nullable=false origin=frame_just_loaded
9h28m51s
